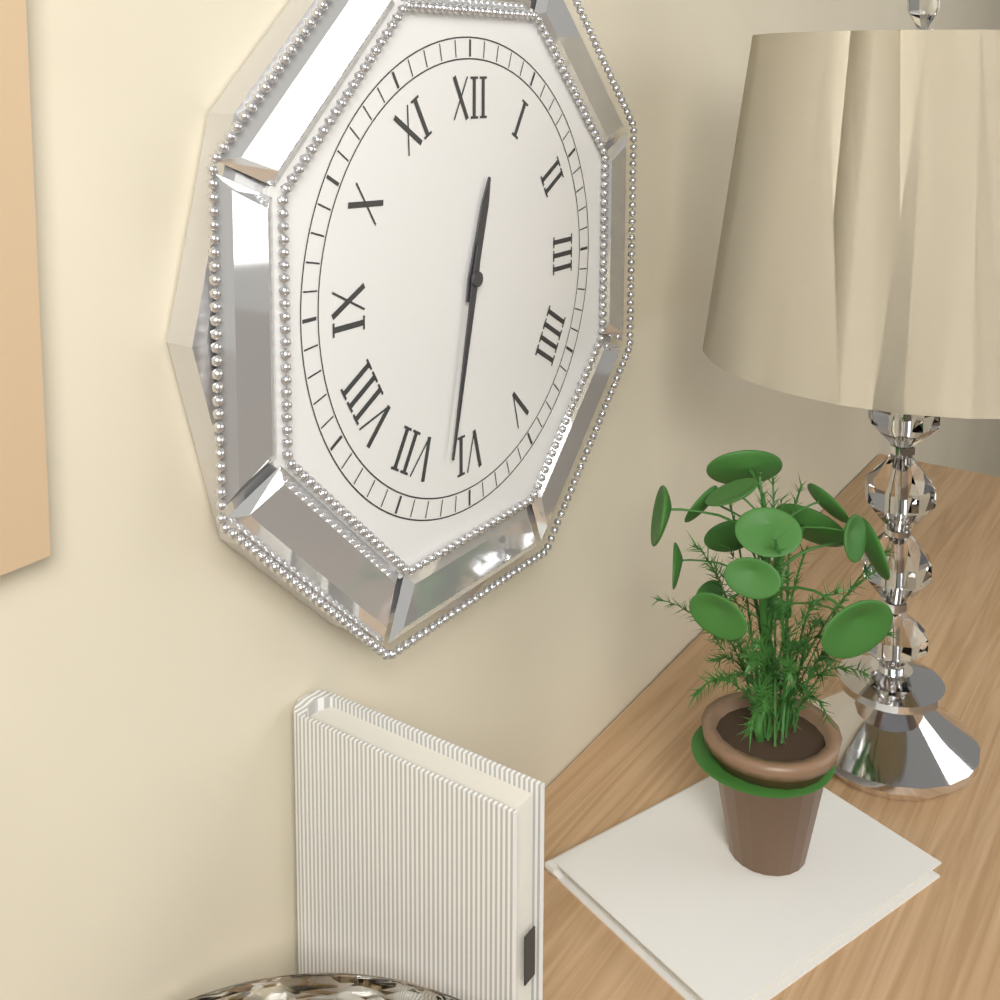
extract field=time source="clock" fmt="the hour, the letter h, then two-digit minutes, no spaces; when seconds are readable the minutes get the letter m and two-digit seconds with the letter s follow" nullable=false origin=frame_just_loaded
12h32
